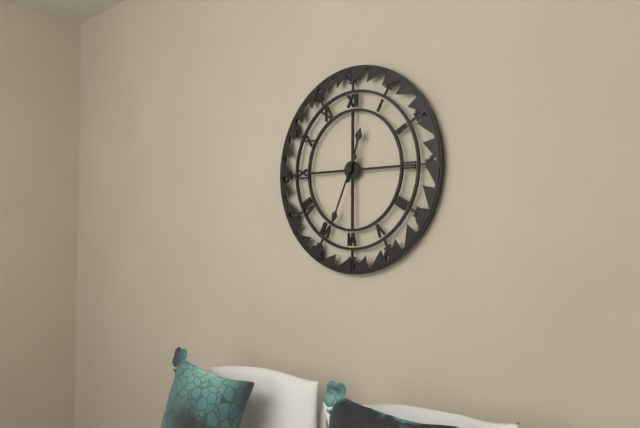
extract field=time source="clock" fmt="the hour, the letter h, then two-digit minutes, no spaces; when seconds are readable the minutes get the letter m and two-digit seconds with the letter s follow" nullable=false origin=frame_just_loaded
12h34
